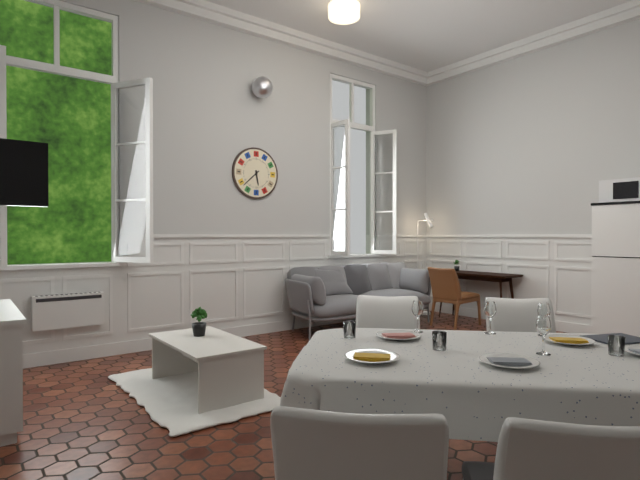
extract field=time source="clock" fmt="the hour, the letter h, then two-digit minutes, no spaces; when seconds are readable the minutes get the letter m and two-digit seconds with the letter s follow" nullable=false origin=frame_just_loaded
5h38
